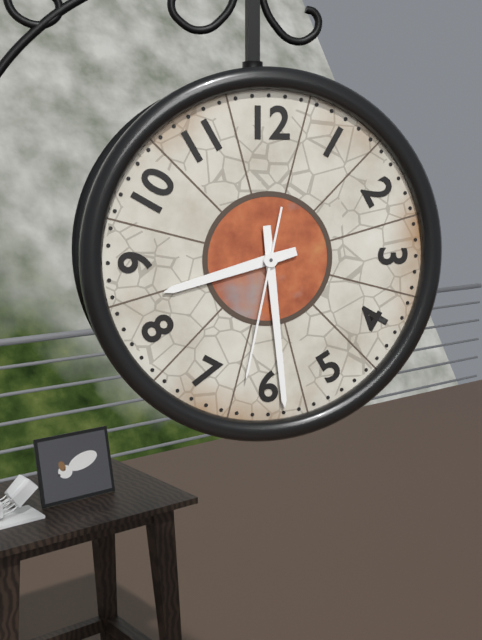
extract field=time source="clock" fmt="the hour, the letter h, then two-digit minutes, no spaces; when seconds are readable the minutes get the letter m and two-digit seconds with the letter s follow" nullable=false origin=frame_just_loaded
8h29m32s
